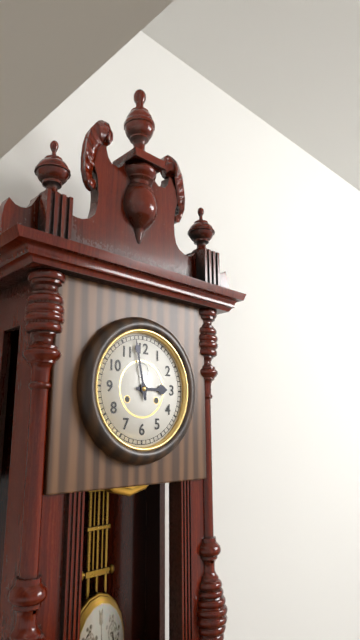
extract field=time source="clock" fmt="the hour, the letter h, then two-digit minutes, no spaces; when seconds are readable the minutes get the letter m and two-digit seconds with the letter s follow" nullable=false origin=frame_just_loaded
2h58
